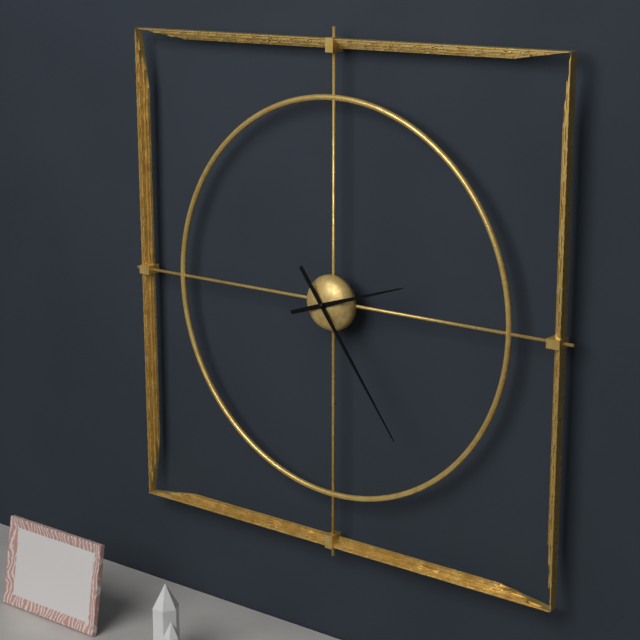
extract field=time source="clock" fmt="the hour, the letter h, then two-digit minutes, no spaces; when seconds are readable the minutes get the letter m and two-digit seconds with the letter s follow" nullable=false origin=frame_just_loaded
2h24
